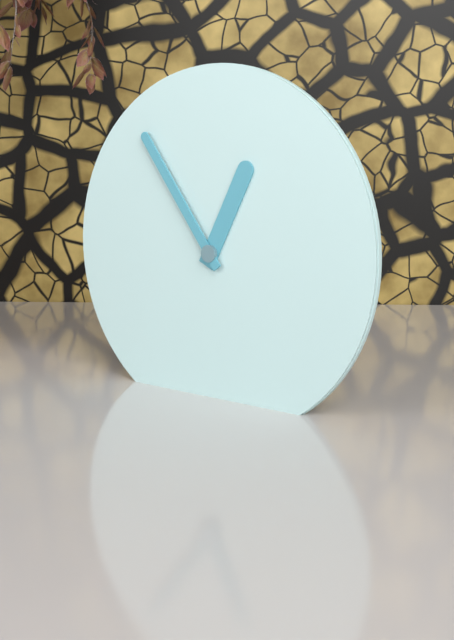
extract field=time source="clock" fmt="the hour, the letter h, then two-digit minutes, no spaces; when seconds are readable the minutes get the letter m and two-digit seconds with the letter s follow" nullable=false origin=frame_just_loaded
12h54
